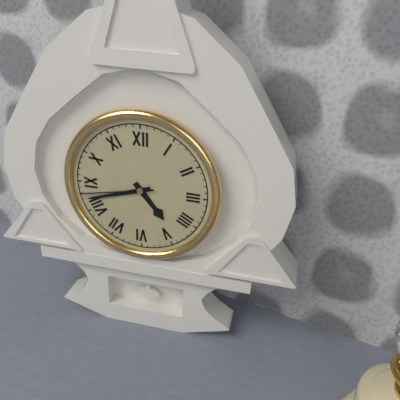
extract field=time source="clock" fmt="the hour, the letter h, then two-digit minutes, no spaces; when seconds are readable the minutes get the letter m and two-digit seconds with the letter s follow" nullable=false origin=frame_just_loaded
4h42m43s
